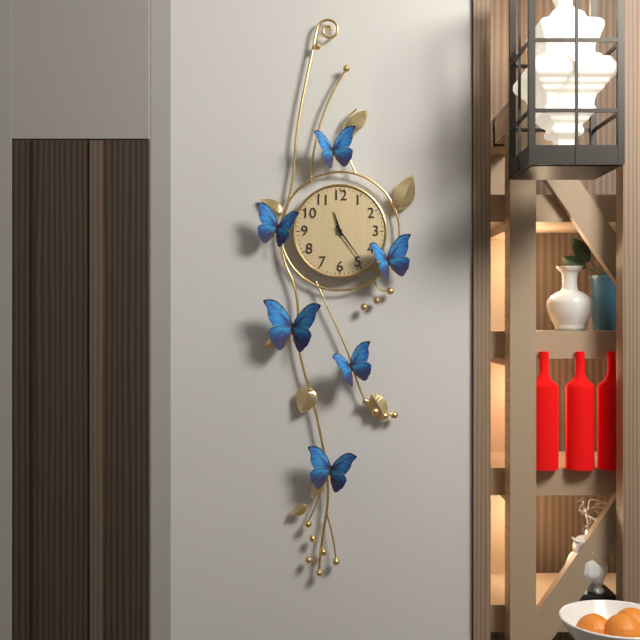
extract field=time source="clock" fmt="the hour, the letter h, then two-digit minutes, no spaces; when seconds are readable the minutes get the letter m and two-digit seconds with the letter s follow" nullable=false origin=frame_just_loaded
11h24
